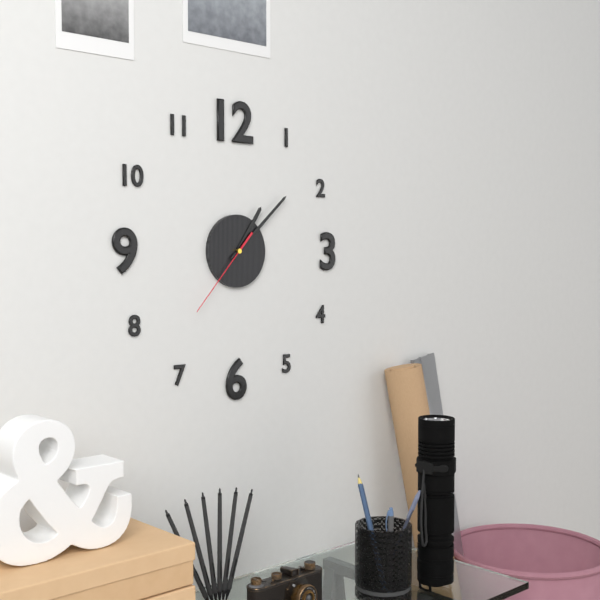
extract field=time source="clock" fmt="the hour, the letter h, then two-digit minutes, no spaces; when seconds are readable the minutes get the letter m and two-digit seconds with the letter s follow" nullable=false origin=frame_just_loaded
1h08m37s
